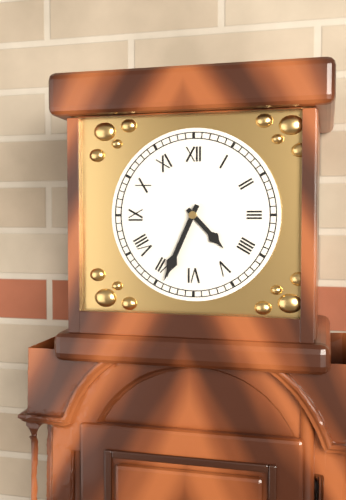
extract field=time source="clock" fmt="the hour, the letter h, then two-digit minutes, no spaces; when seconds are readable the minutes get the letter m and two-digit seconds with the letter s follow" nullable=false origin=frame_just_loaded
4h34
